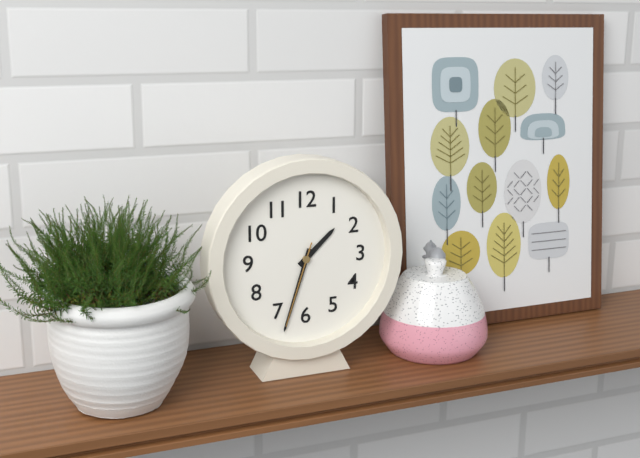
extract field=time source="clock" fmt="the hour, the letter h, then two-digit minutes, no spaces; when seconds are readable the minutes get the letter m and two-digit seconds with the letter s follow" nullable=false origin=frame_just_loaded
1h33m33s
